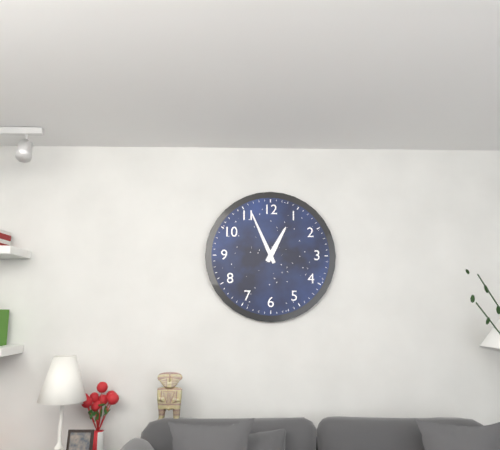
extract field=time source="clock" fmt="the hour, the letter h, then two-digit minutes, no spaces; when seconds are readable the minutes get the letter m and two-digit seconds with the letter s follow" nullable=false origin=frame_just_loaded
12h56
